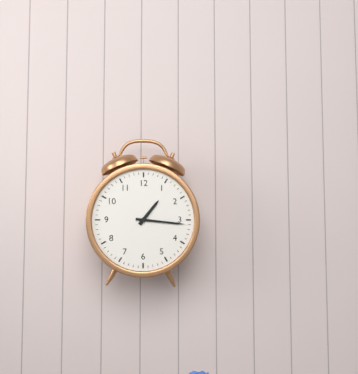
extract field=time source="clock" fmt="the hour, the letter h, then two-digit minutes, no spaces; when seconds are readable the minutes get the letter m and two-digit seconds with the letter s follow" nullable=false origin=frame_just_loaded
1h16
